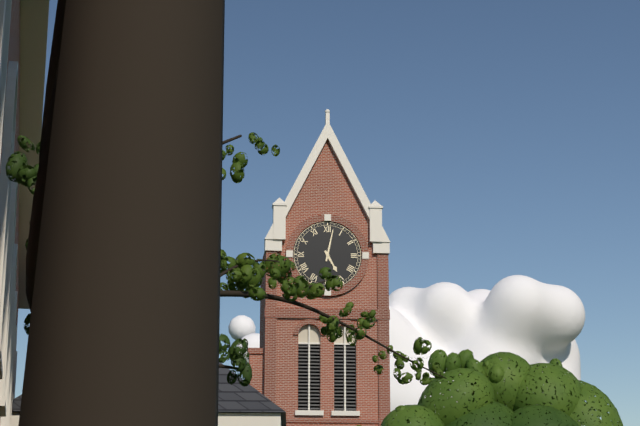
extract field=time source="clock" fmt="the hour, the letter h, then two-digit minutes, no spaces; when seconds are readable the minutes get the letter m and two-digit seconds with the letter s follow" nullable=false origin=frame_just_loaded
5h02
